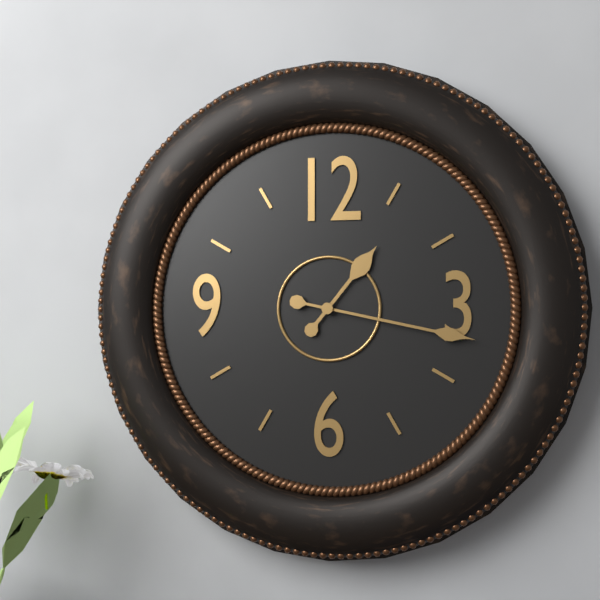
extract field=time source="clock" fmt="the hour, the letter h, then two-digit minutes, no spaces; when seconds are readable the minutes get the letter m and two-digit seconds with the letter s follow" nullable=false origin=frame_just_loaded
1h17
